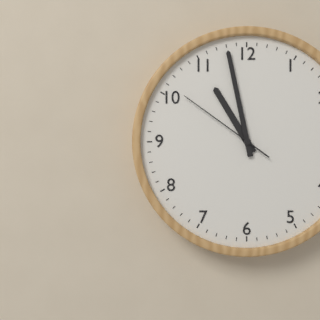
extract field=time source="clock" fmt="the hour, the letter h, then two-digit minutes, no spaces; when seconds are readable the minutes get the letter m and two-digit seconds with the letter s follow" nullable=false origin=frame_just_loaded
10h58m51s
